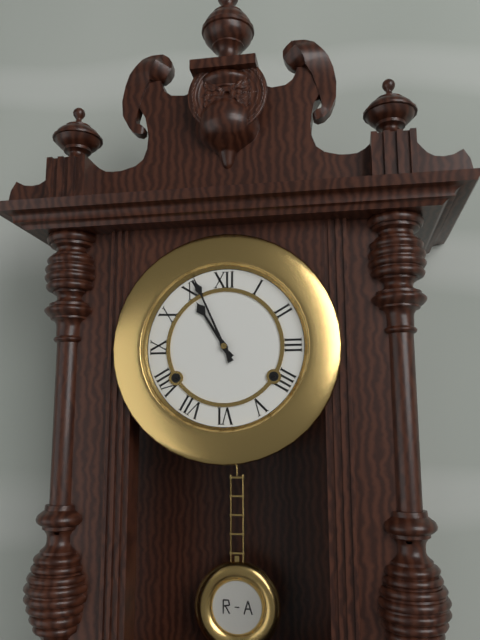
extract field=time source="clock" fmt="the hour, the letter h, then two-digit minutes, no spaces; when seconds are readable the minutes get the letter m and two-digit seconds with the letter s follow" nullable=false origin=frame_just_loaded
10h56
